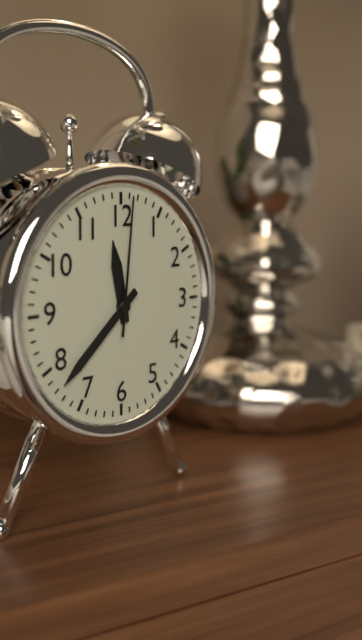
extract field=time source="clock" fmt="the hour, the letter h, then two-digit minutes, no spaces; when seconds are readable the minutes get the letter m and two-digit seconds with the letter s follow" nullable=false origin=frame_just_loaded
11h38m01s
